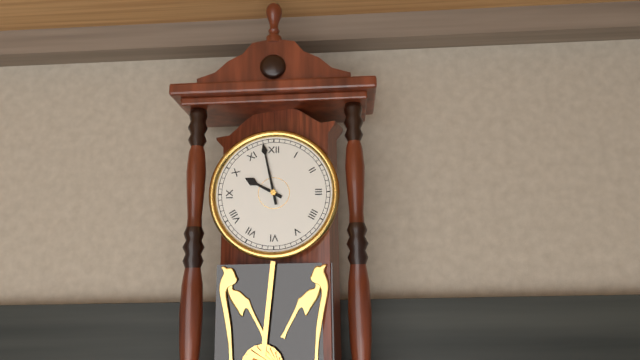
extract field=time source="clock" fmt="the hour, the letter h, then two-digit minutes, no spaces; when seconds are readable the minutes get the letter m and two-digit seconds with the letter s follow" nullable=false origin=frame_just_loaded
9h58
